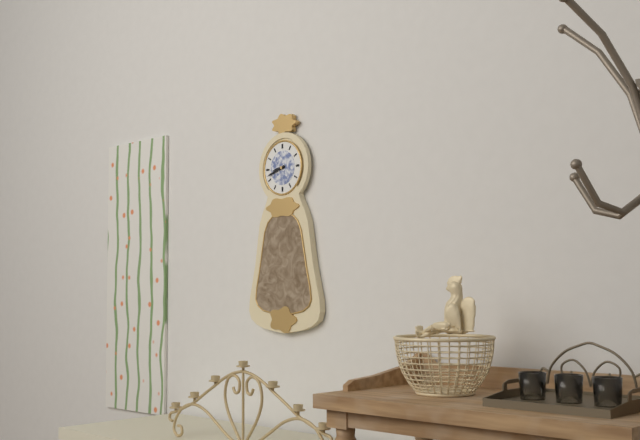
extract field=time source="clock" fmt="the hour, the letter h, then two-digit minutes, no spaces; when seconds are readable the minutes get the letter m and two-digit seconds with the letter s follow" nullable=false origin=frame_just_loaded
8h42
